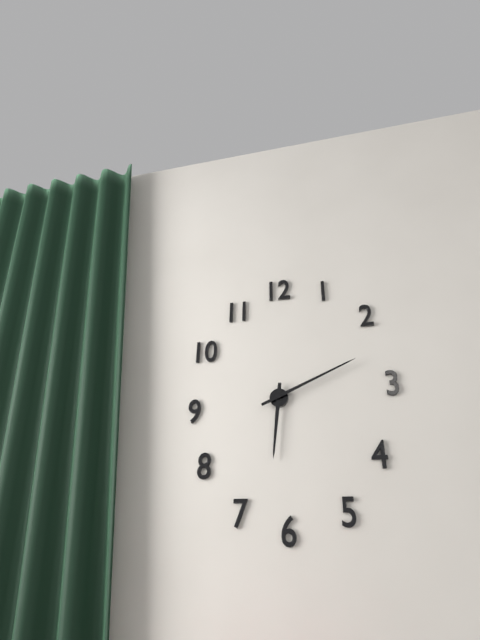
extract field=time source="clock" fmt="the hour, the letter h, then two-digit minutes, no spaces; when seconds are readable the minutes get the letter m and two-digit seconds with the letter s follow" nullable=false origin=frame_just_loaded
6h11
